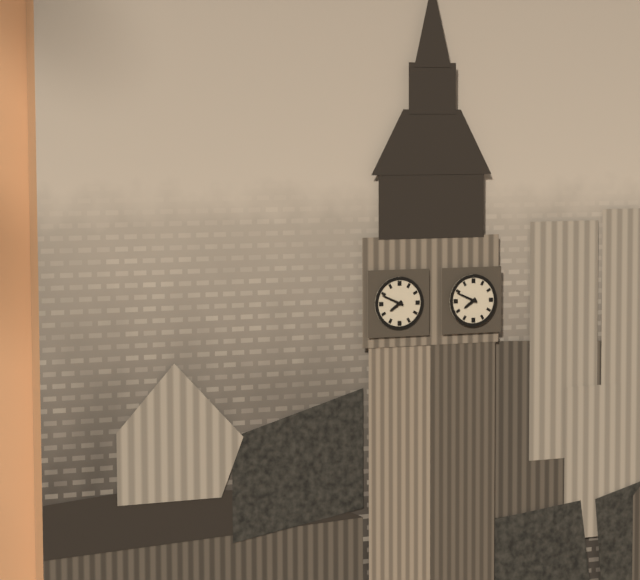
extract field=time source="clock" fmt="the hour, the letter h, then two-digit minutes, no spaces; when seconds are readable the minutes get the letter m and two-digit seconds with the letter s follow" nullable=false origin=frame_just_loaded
7h49
